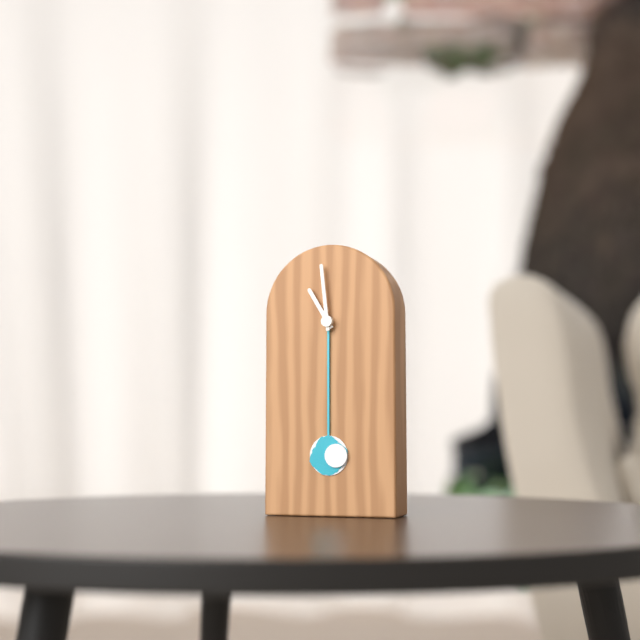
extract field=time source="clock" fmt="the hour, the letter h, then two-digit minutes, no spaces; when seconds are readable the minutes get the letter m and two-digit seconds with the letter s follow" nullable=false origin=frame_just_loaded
10h59
